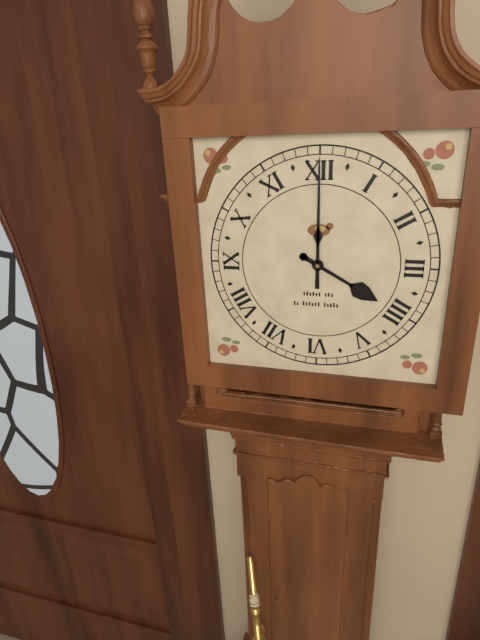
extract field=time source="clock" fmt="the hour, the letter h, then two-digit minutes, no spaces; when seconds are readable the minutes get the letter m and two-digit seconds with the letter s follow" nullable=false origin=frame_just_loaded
4h00
